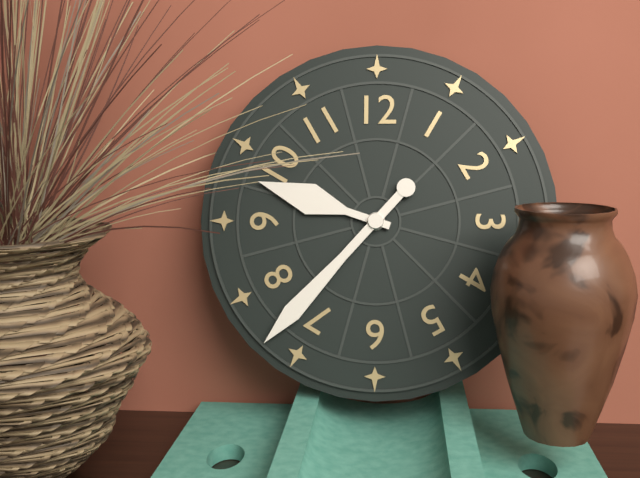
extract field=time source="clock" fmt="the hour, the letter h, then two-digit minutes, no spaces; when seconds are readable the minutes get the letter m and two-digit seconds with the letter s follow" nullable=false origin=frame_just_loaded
9h37
